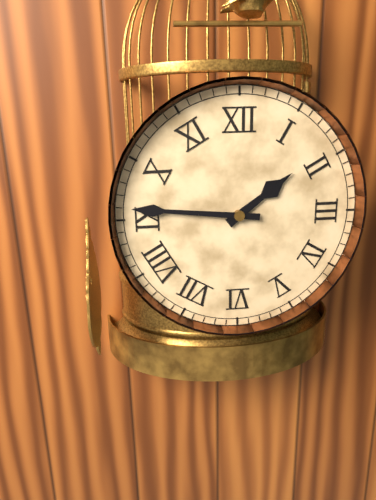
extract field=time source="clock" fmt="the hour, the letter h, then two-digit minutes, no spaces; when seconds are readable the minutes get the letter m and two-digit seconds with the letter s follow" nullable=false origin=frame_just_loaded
1h46
